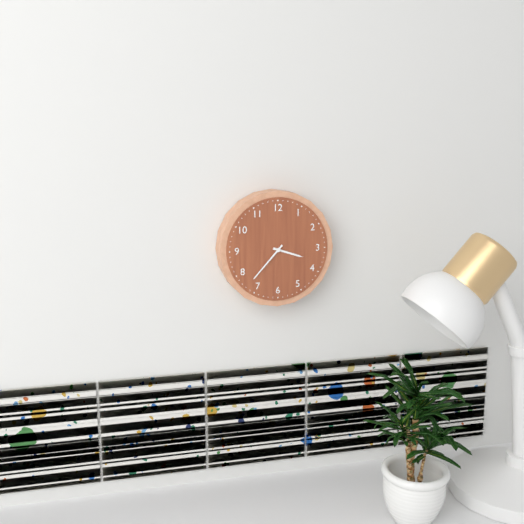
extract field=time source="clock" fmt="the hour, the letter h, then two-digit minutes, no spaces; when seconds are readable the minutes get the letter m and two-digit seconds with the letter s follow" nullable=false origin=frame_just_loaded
3h37
